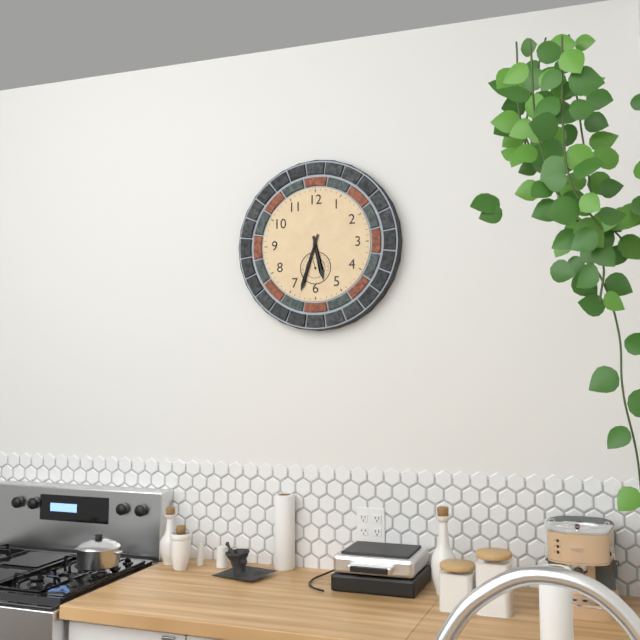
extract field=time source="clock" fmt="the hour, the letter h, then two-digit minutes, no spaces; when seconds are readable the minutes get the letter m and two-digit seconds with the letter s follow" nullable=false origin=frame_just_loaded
5h33
